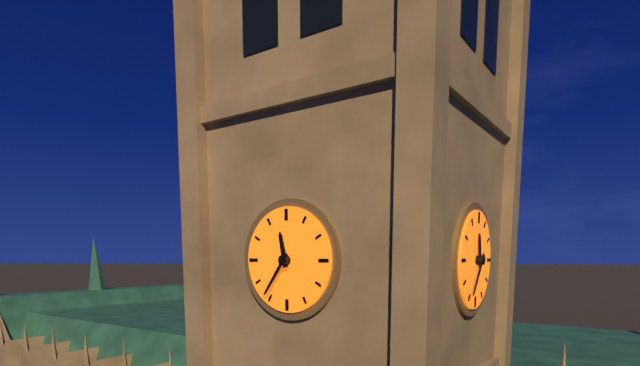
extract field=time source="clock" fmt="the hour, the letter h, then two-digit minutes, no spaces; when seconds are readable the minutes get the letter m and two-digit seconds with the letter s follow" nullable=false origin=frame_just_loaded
11h36
